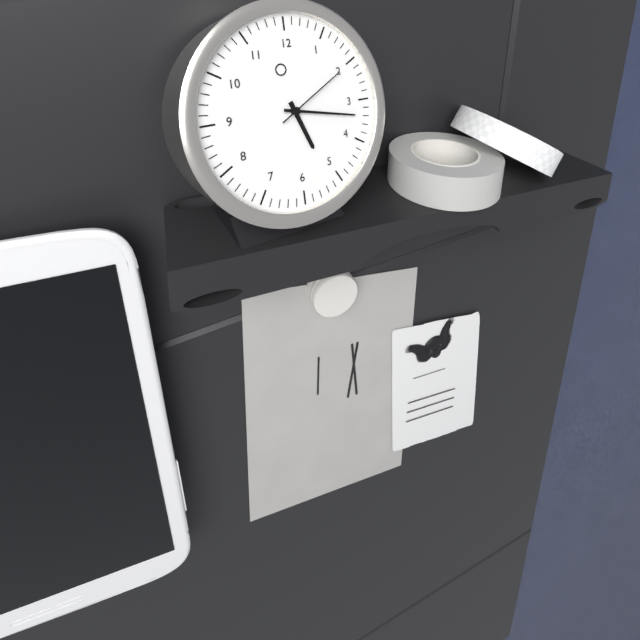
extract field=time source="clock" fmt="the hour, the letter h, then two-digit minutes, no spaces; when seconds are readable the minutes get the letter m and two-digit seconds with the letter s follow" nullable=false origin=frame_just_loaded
5h17m10s
